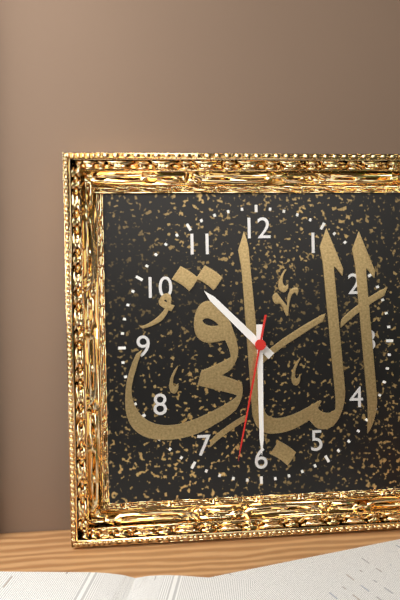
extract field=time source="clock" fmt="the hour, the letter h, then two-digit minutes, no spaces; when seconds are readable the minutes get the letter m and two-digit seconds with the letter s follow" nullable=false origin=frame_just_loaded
10h30m32s
